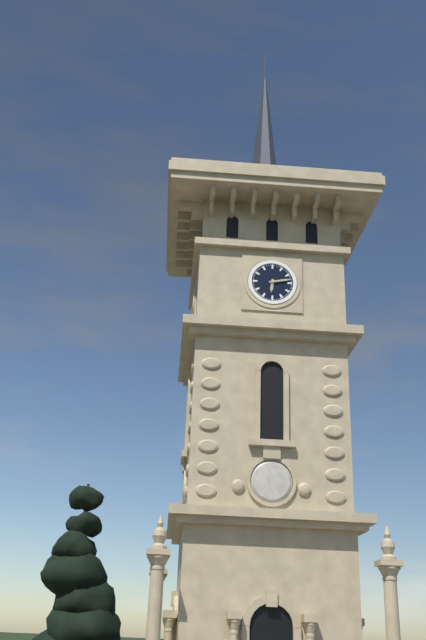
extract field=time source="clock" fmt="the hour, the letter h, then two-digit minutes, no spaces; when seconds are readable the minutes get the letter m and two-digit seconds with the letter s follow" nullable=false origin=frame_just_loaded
6h13
